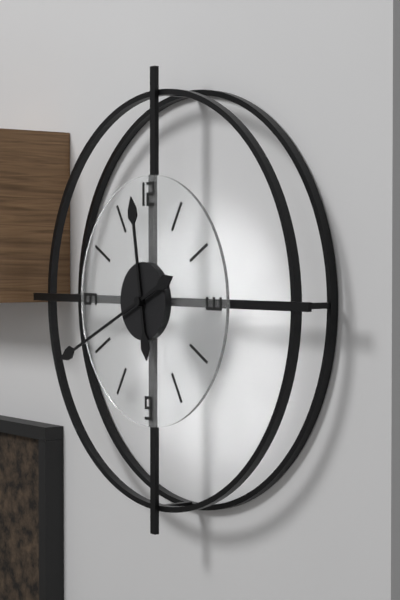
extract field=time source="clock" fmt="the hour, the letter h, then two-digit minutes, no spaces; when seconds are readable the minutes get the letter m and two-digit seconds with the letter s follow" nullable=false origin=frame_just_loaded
11h41
